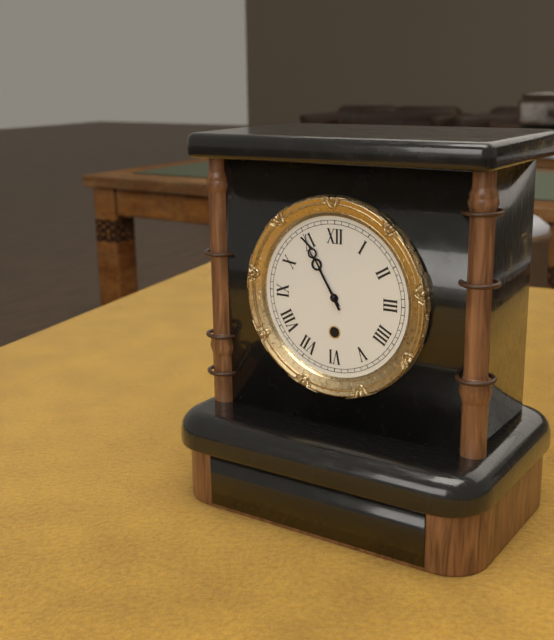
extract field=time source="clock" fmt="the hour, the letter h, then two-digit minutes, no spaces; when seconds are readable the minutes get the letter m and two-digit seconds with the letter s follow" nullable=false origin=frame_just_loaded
10h55
